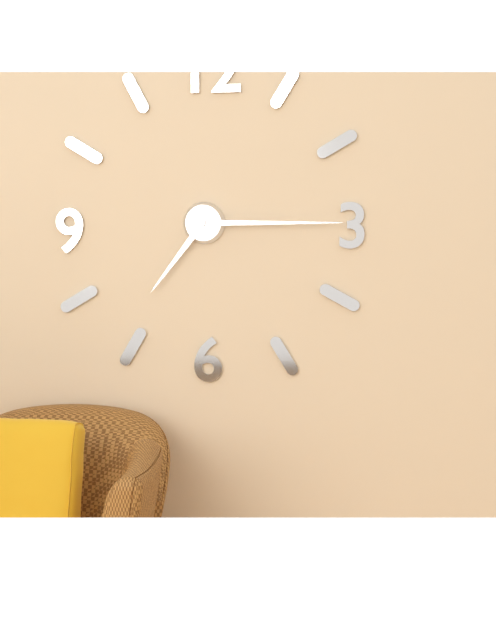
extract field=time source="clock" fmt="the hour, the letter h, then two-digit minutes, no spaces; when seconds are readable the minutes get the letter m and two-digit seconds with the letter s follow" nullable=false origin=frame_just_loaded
7h15
